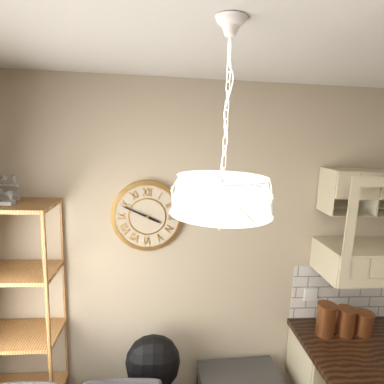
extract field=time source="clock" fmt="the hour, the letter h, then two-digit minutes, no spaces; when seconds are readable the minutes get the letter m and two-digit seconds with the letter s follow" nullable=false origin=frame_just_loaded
3h49
